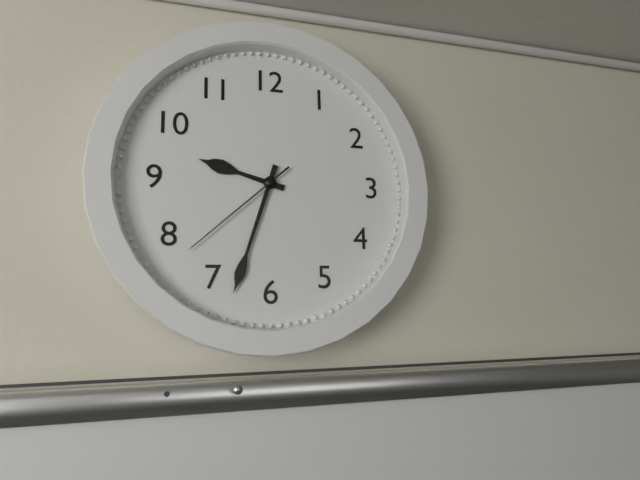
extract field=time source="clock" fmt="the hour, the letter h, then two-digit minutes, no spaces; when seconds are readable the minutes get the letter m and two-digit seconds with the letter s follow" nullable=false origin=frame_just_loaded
9h33m38s
